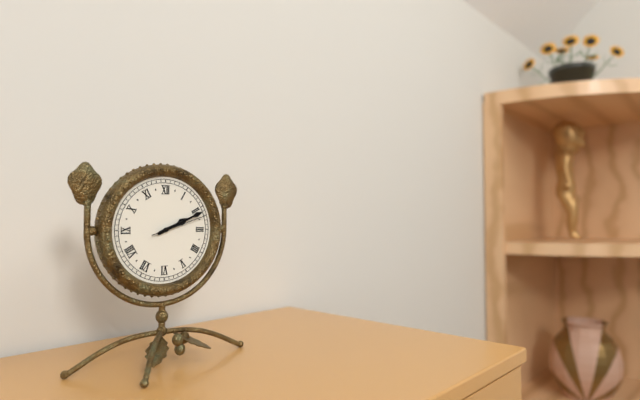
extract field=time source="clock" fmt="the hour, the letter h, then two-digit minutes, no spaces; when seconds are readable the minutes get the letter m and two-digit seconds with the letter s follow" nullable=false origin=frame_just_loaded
2h11m12s
